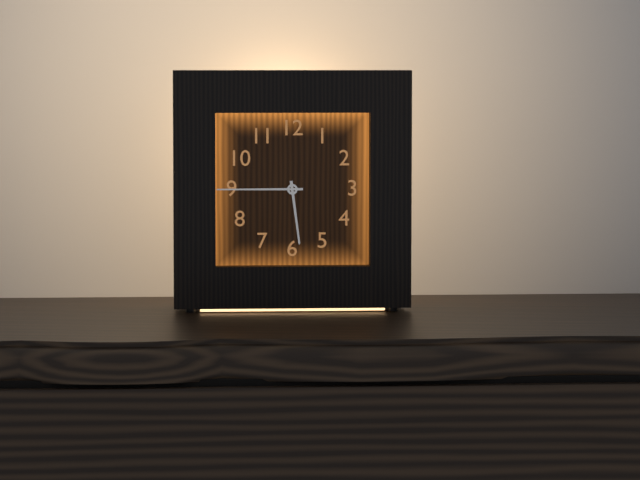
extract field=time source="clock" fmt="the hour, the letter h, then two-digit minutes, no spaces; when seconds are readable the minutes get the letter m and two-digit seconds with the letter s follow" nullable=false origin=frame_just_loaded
5h45
